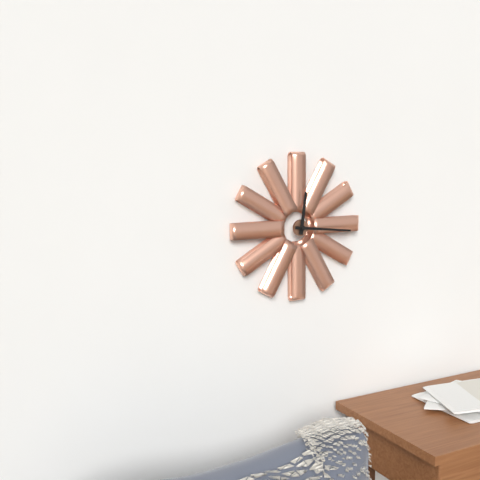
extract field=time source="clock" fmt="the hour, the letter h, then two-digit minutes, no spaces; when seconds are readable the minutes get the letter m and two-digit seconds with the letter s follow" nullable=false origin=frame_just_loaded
12h16
